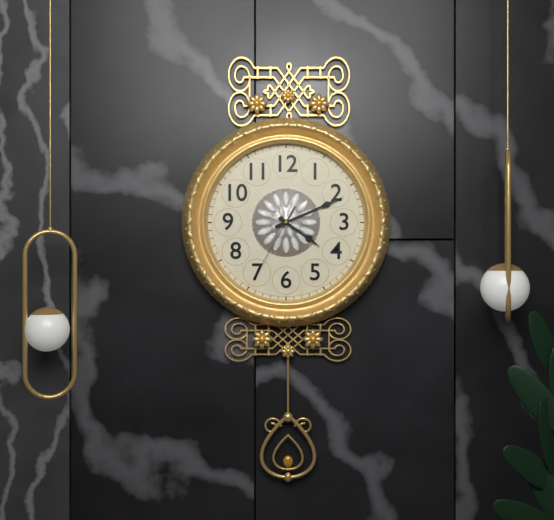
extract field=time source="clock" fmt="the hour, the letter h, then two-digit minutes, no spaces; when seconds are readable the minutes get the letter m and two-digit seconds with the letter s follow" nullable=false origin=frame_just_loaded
4h11m35s
